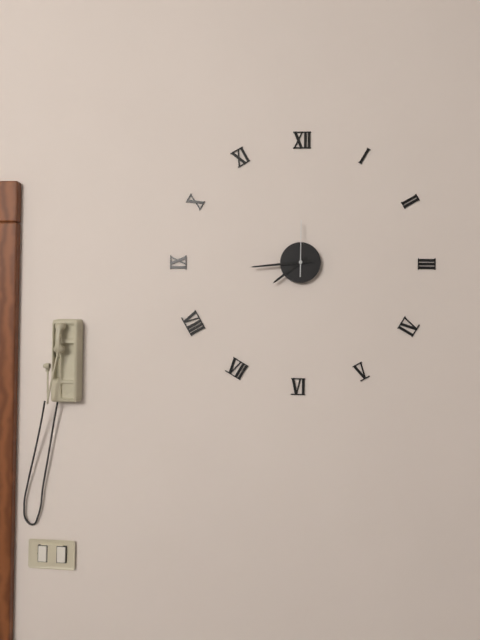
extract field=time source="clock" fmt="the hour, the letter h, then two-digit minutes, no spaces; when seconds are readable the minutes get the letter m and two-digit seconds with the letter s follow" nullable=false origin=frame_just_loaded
7h44m00s
